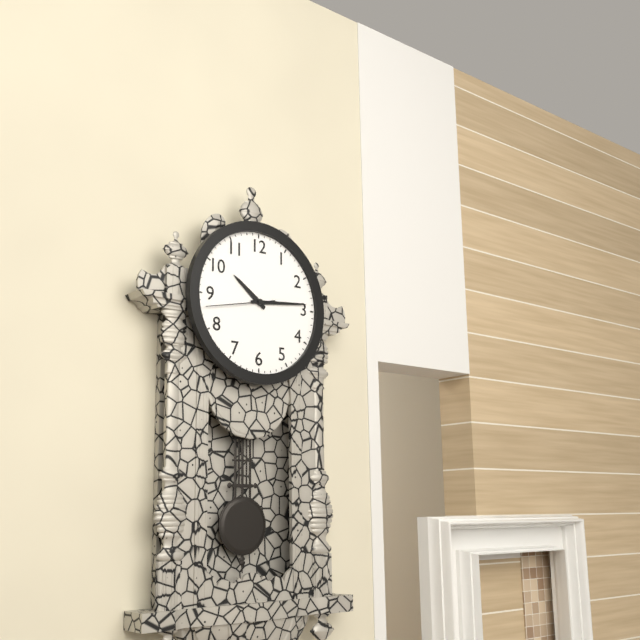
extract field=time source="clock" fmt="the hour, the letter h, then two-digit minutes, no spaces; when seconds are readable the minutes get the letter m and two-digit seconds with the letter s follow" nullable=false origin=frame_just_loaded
10h14m43s
